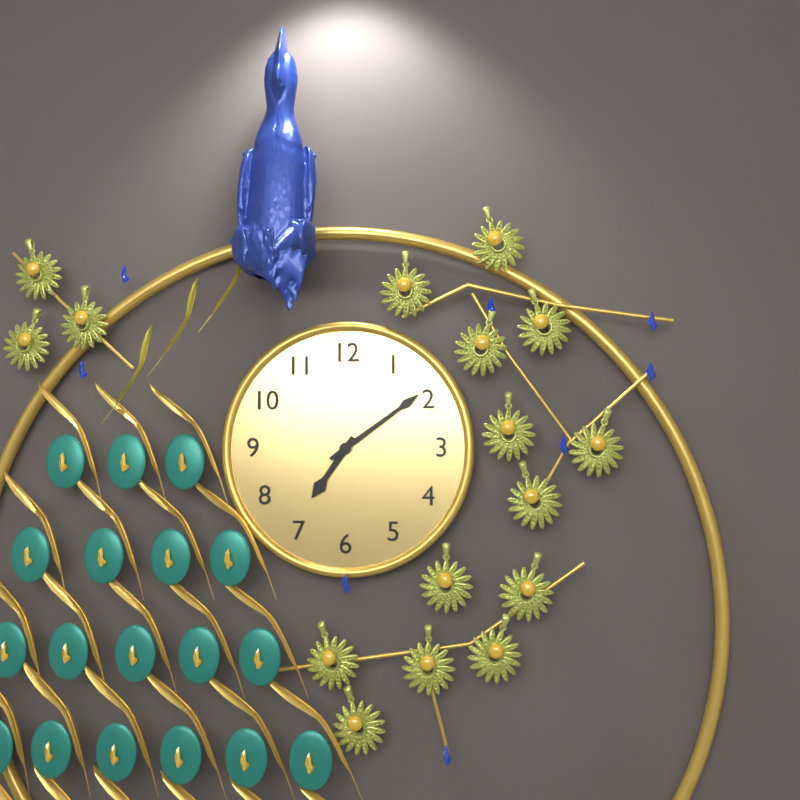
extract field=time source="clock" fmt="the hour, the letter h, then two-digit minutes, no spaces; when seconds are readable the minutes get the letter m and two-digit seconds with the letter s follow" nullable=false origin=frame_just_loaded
7h09
